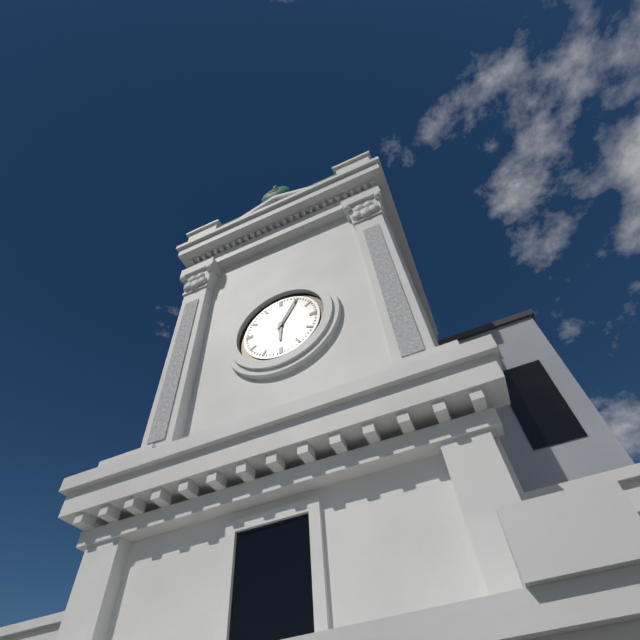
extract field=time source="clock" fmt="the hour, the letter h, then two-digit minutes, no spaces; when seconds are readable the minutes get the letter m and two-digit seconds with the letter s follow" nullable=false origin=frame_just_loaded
6h05
